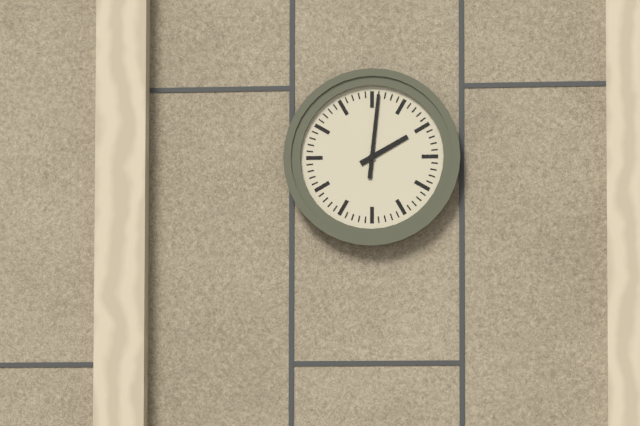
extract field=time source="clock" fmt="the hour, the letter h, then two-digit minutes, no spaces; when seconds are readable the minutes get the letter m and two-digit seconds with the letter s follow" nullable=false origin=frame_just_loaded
2h01
